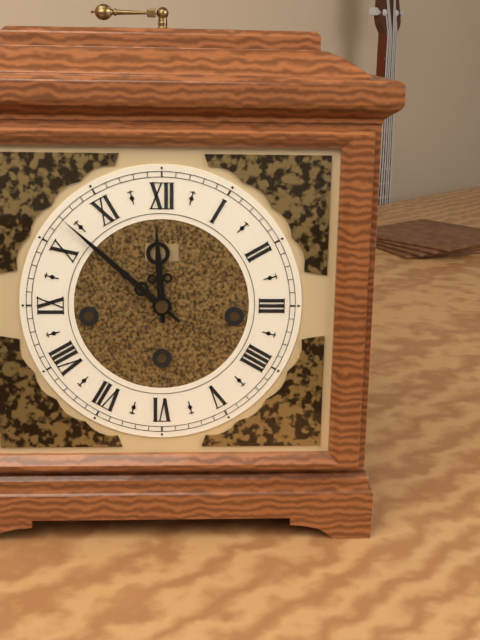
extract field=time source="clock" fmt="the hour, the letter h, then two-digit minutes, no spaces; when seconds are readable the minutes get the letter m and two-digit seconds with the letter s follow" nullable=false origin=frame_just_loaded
11h52
